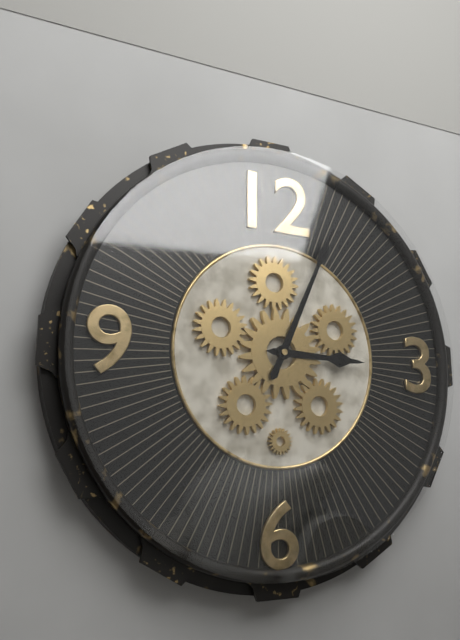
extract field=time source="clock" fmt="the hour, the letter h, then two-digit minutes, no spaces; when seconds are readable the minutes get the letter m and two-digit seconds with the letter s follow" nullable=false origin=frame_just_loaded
3h04
